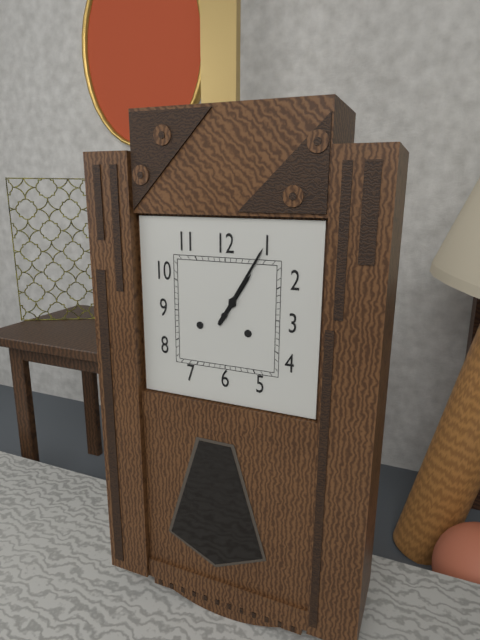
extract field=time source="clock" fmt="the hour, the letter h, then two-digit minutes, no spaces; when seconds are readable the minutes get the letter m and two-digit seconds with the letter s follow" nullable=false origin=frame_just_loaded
1h05
